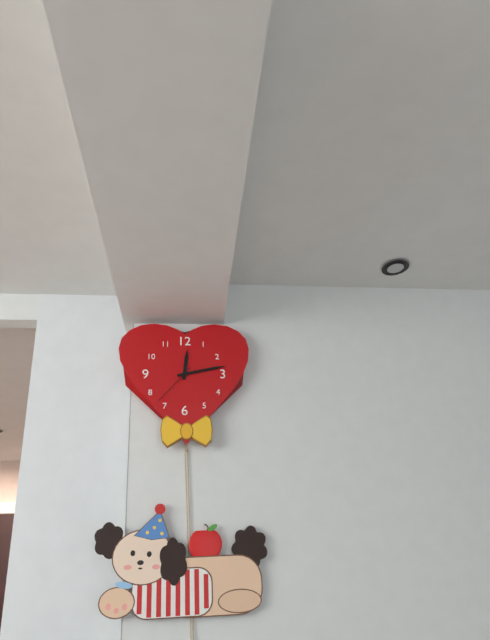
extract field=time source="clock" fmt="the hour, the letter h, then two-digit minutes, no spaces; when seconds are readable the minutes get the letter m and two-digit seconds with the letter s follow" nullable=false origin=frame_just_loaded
12h13
